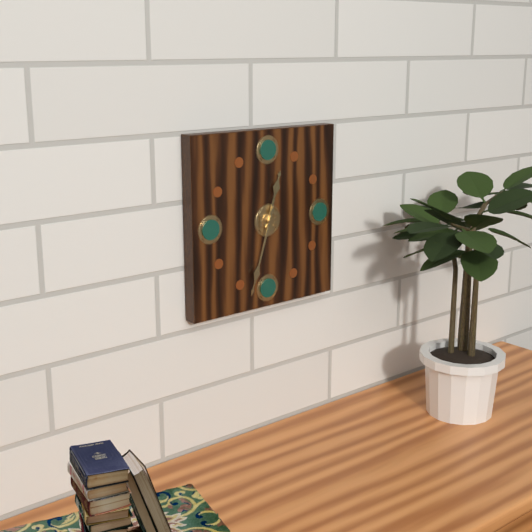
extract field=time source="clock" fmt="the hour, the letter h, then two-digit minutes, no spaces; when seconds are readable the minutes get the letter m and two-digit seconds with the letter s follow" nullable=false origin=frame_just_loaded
12h33
